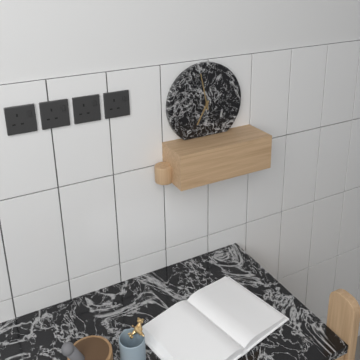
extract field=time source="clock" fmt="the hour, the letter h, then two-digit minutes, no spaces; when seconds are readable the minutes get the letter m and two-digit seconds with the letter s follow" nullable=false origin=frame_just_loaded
6h58
